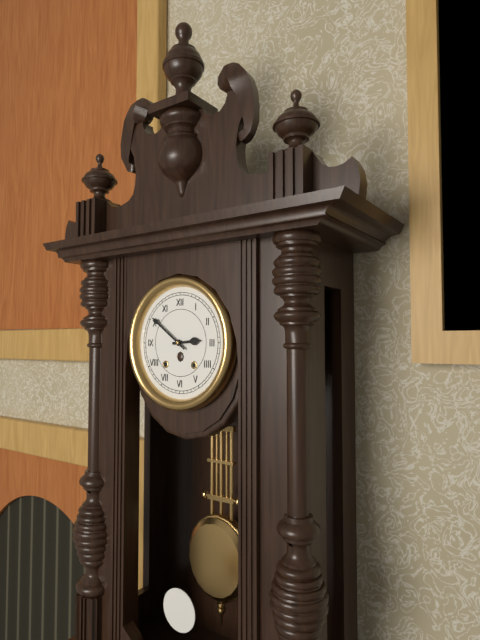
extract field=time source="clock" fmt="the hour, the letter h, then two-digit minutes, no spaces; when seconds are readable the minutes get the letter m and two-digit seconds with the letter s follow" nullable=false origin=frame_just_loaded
2h51
